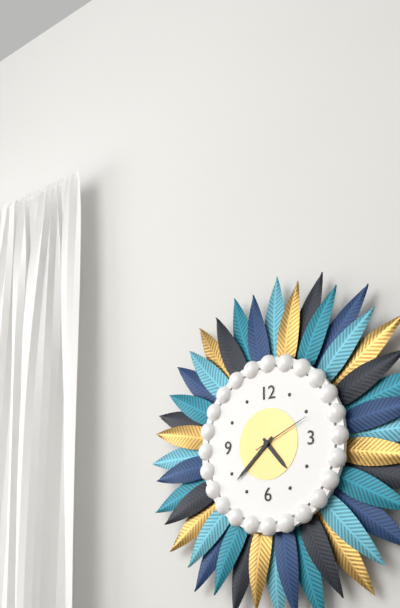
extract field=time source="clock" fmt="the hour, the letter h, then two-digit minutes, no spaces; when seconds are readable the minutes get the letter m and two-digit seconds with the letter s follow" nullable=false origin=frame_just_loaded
4h38m11s
